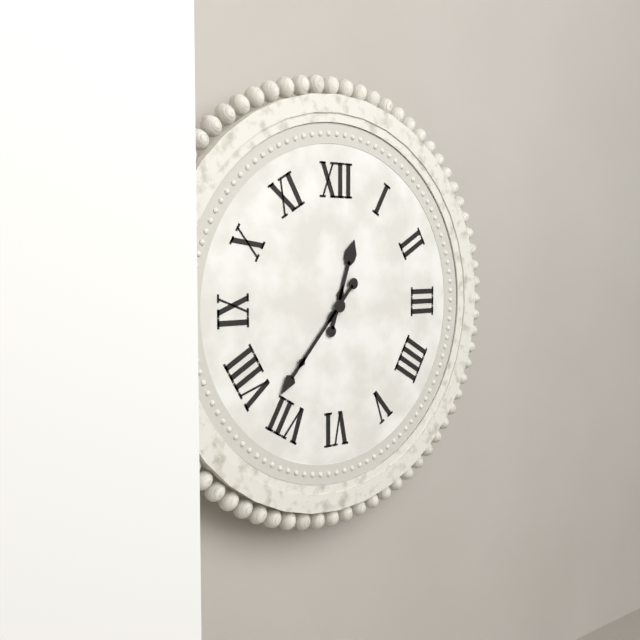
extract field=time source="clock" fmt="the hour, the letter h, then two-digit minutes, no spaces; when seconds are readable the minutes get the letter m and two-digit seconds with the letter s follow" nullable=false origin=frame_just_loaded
12h37
